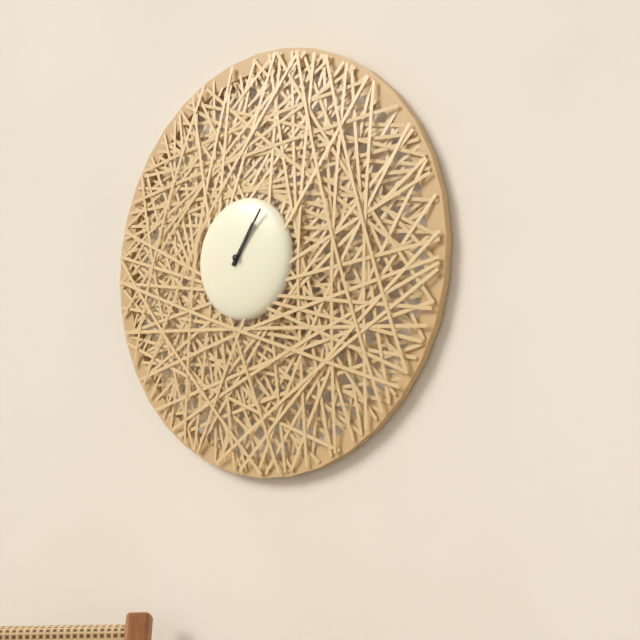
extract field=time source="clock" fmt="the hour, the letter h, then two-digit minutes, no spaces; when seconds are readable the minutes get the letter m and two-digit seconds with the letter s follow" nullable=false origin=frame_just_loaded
1h06
